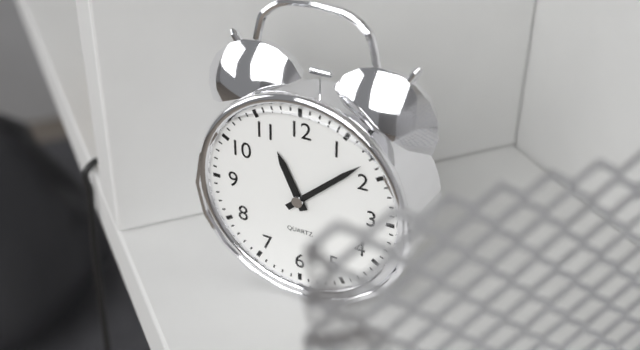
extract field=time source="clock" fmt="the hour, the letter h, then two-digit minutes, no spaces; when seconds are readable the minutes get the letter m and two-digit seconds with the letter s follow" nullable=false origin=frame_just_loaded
11h08
